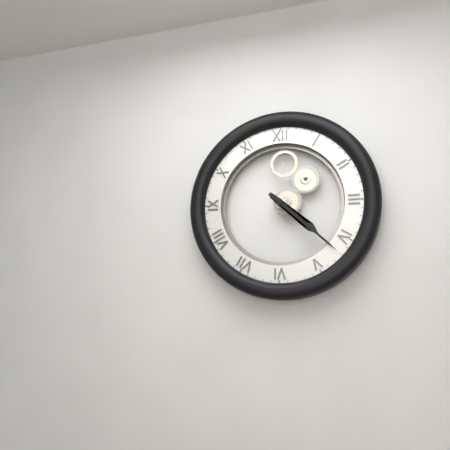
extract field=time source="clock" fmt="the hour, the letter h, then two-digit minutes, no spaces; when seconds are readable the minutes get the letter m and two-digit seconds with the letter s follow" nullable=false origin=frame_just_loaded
4h22
